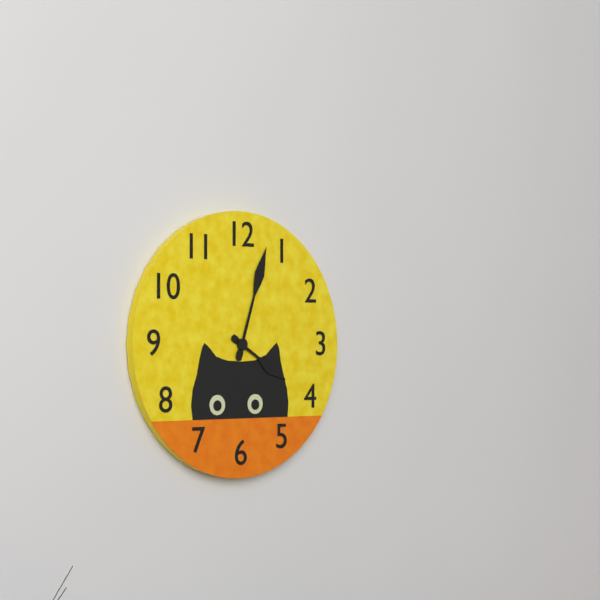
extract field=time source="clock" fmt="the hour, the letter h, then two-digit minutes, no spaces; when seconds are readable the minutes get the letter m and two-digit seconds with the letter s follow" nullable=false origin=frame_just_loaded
4h03
